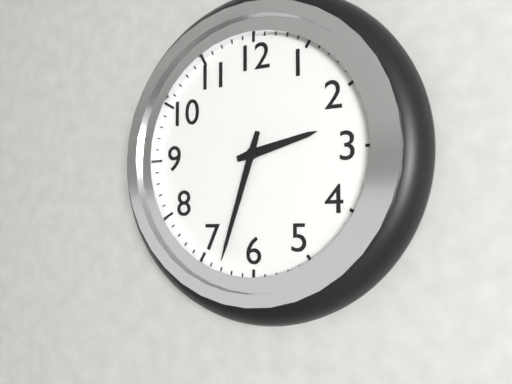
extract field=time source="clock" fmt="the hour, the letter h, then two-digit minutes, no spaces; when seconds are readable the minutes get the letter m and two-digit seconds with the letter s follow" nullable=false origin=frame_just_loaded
2h33
